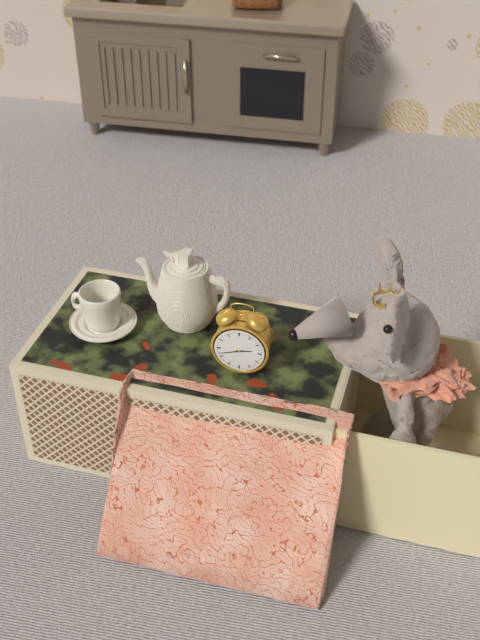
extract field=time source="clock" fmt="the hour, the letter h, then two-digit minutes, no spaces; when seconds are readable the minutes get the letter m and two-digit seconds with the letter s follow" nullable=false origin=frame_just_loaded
2h42
